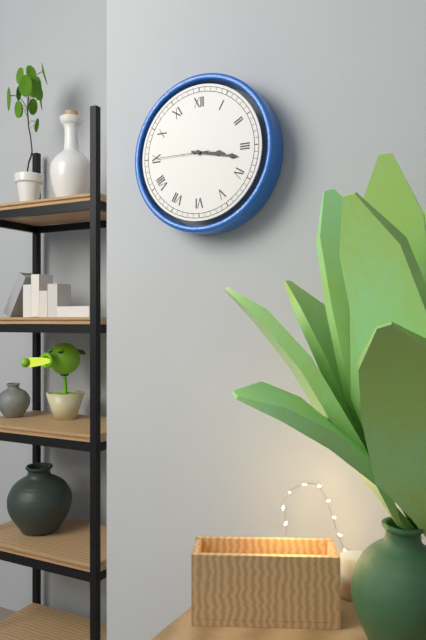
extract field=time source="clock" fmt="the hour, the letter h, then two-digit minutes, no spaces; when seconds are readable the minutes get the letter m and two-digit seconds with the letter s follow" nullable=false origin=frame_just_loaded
3h17m45s
